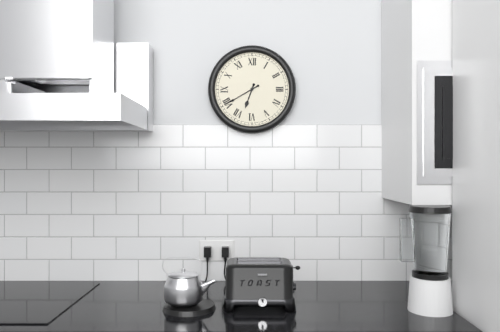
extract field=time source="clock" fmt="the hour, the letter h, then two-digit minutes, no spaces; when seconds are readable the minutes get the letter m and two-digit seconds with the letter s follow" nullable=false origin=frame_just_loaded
6h40
